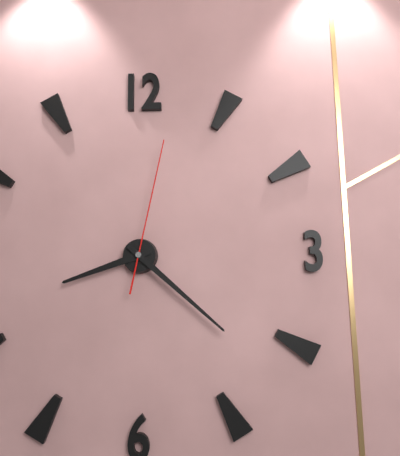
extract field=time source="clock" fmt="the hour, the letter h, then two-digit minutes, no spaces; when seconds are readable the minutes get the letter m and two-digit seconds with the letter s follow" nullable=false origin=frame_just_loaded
8h22m02s
